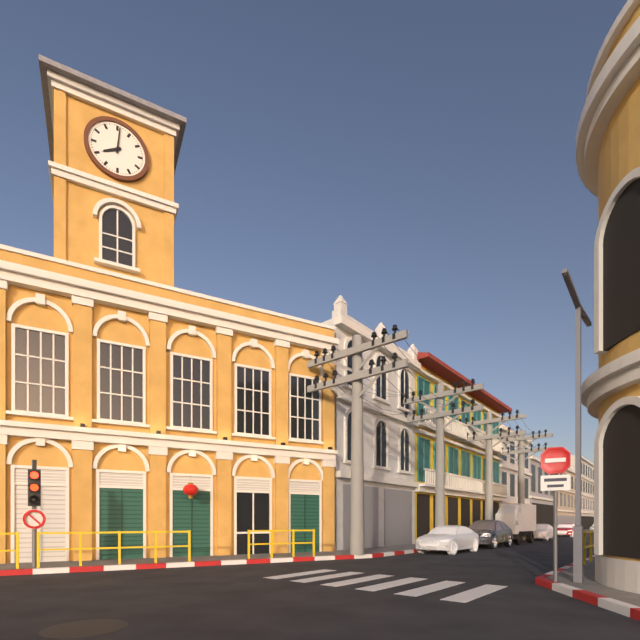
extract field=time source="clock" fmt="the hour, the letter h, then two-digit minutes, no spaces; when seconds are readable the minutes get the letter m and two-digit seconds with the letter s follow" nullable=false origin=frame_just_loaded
8h01
